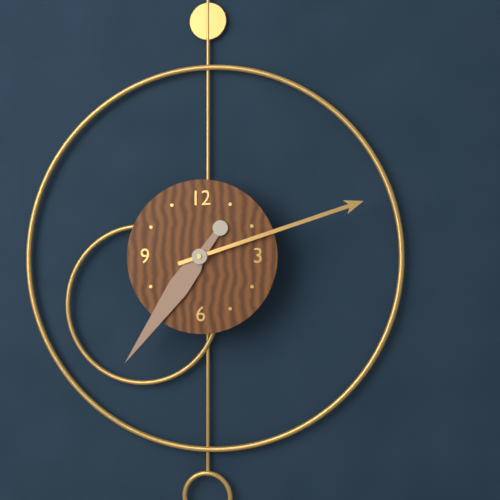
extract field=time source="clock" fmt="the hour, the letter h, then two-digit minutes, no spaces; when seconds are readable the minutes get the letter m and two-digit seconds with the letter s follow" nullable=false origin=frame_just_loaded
7h12
